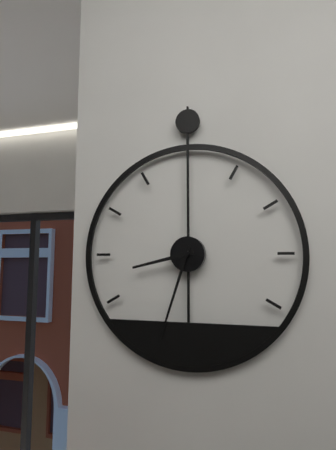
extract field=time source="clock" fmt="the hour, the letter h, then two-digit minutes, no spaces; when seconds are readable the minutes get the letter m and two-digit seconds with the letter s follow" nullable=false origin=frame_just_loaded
8h33
